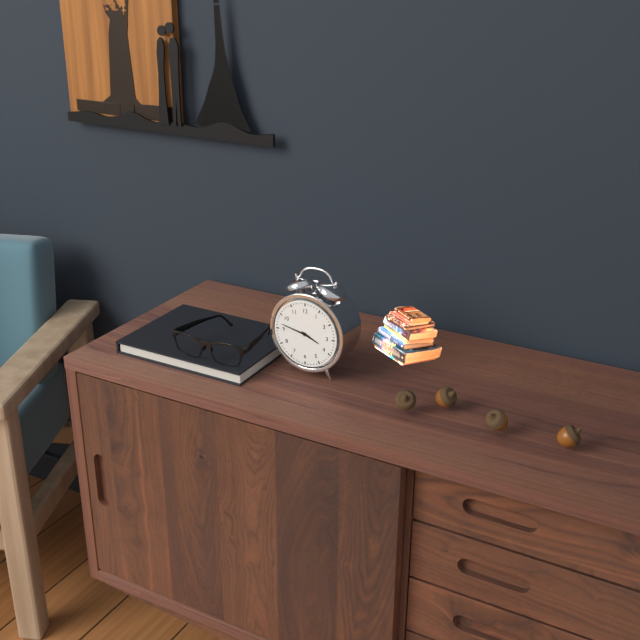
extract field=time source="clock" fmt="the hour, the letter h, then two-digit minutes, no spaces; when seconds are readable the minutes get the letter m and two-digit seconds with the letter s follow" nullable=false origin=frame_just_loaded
3h47
